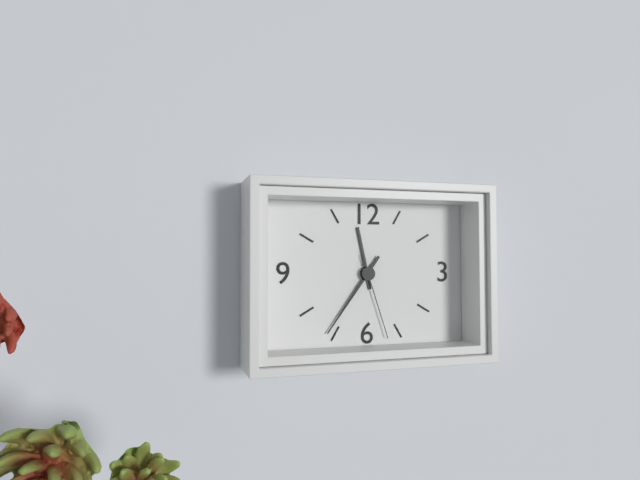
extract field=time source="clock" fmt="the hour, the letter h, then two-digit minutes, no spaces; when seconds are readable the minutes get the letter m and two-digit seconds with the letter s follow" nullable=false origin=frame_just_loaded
11h36m27s
